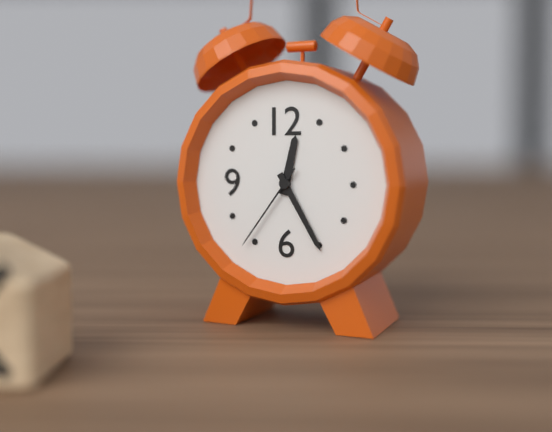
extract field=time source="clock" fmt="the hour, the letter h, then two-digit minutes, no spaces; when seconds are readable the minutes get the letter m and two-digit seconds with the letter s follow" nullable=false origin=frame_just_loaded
12h25m36s
